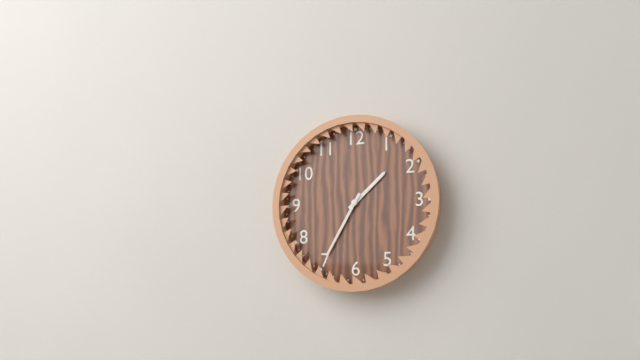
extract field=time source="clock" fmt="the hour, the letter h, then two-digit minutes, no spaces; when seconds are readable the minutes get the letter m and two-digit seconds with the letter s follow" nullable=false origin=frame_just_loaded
1h35
